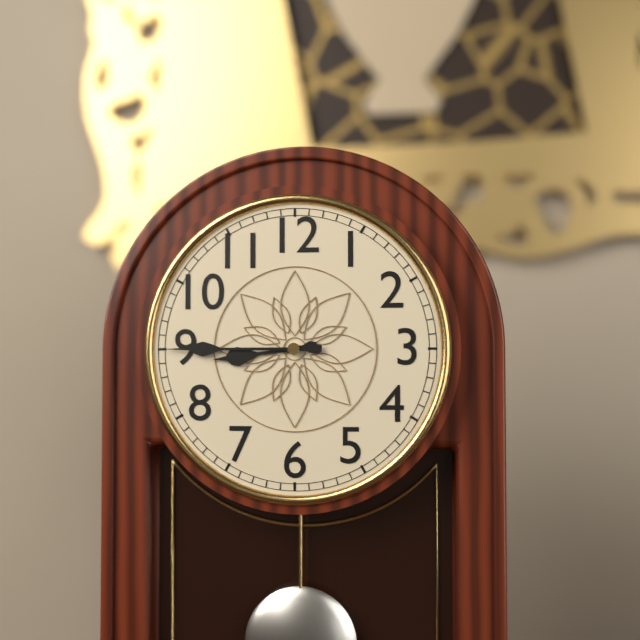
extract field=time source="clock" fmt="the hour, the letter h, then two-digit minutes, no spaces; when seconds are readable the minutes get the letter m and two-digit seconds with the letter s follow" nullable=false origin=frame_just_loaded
8h45
